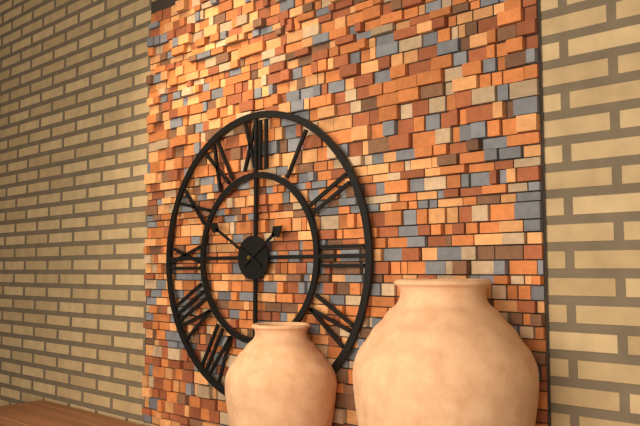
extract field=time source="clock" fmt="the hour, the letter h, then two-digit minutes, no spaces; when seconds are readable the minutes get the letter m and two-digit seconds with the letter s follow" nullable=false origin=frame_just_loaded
1h50
